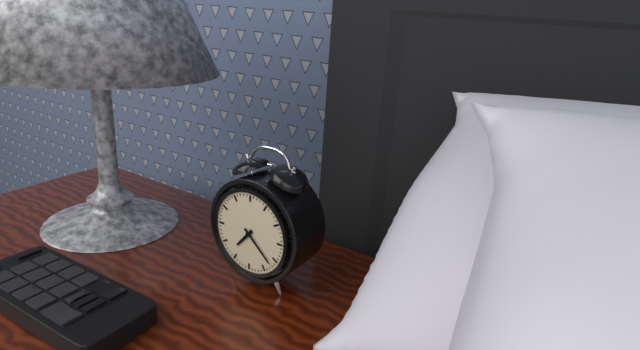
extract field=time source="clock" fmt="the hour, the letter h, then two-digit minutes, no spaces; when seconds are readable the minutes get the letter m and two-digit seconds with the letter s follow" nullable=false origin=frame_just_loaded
7h22
